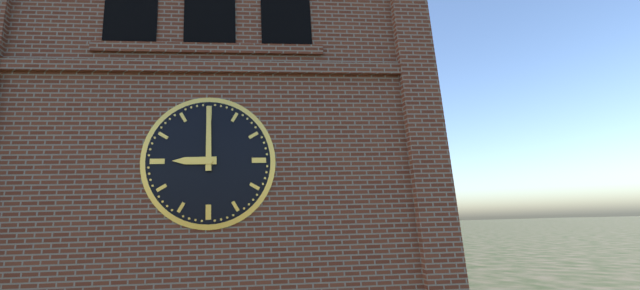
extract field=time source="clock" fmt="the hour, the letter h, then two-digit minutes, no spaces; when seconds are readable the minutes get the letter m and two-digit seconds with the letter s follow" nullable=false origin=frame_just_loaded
9h00
